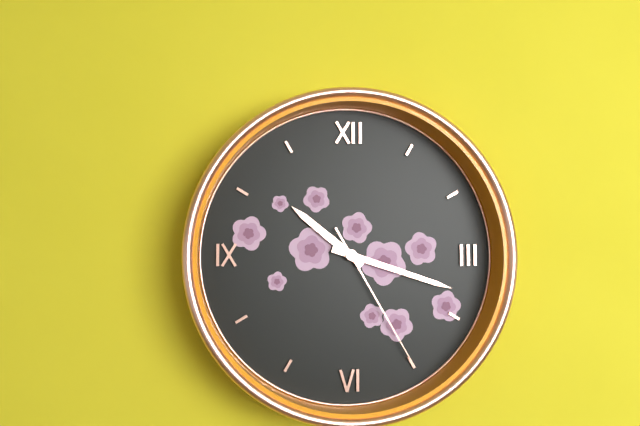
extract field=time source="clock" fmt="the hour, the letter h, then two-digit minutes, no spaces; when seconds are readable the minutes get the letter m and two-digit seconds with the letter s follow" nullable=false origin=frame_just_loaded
10h18m25s
